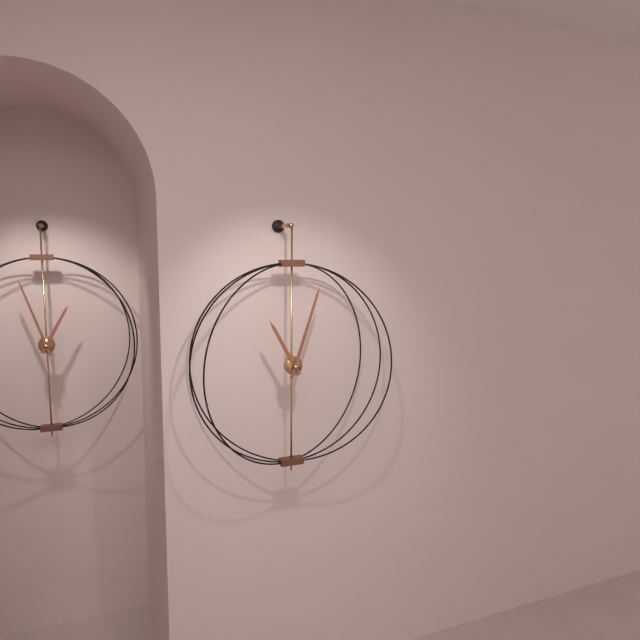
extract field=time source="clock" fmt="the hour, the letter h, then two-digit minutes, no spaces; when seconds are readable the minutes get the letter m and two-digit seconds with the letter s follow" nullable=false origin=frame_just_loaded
11h03
